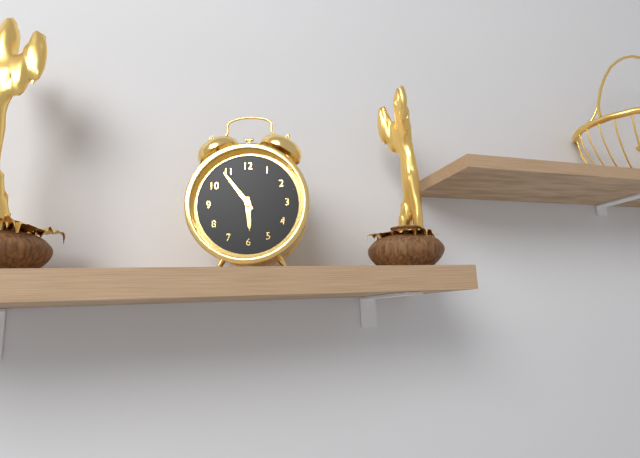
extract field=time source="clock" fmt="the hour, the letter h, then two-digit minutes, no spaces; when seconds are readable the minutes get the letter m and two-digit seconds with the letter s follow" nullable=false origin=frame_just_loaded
5h54
